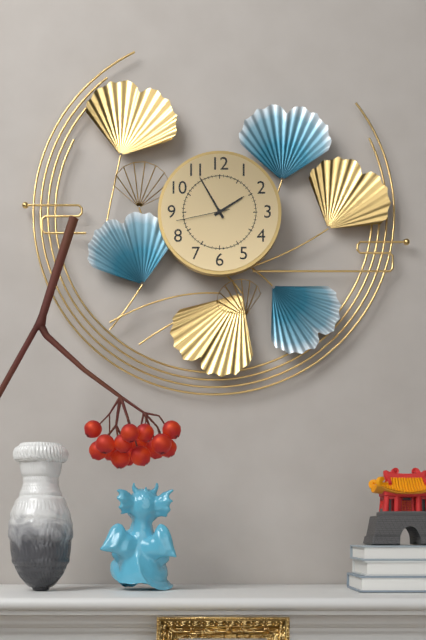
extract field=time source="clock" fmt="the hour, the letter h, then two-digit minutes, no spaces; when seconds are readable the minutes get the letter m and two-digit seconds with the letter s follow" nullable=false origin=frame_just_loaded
1h55m43s
